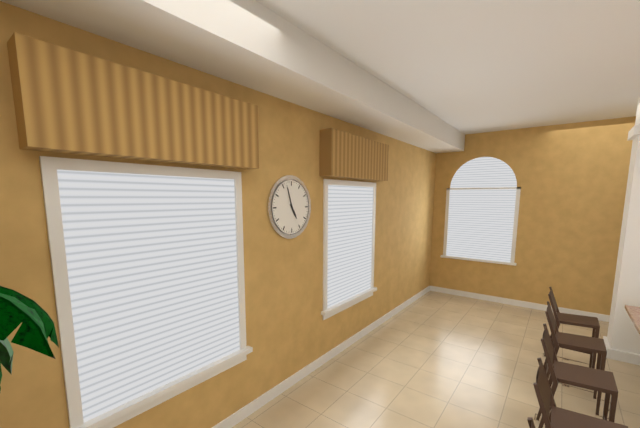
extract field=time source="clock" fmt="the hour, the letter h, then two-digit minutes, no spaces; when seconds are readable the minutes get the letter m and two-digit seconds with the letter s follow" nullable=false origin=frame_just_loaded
4h57
